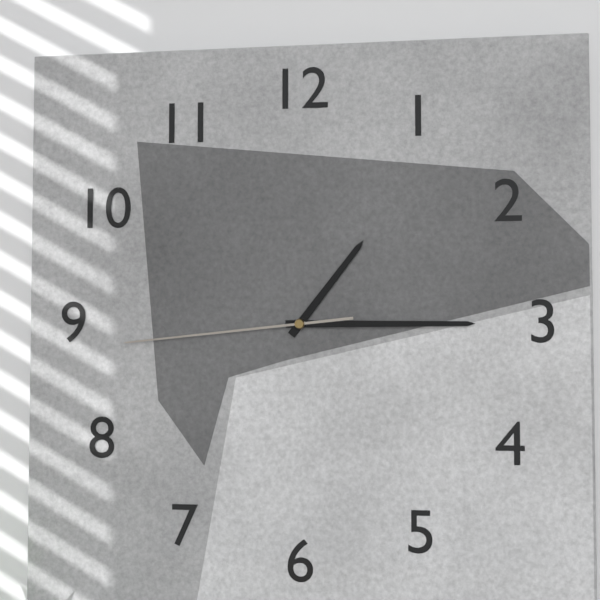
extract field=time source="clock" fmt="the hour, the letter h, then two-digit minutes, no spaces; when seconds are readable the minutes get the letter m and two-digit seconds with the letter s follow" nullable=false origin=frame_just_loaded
1h15m44s
